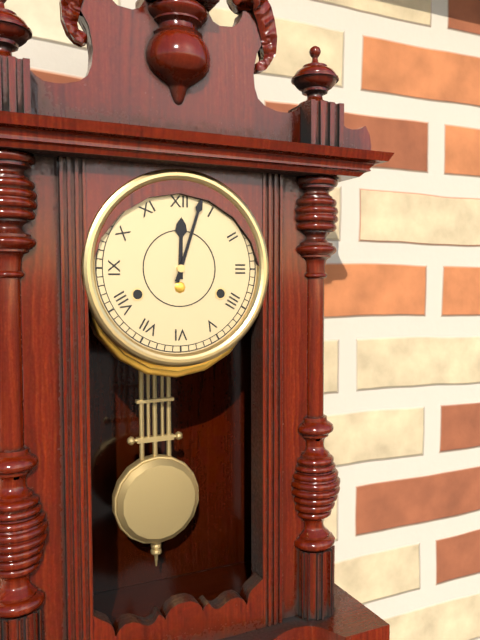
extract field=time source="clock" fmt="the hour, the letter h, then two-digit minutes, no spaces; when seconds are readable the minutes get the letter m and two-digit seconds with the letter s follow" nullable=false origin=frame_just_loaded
12h03
